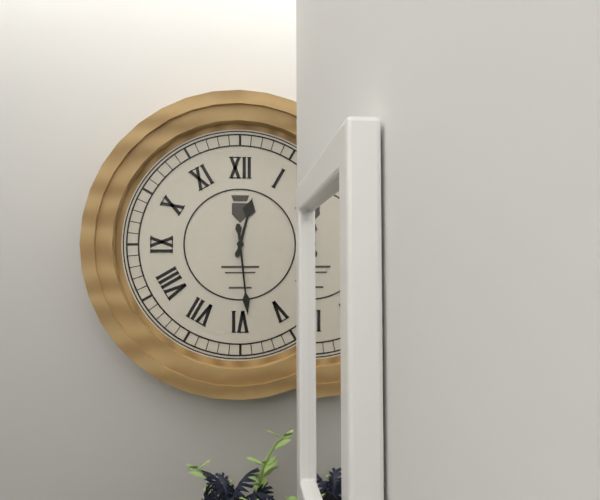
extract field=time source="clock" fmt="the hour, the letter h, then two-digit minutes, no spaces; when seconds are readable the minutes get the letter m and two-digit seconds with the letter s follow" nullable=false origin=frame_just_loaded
12h29
